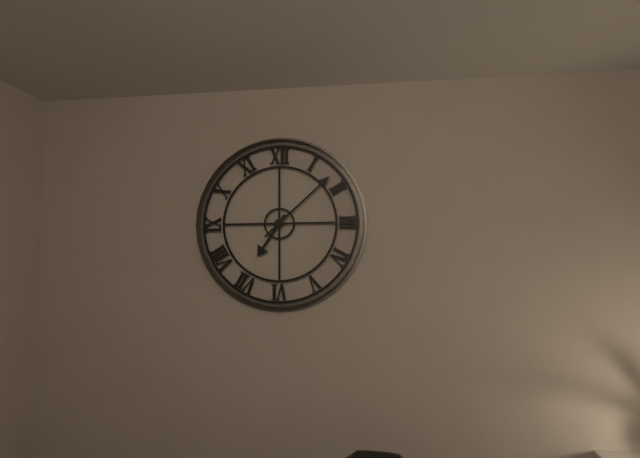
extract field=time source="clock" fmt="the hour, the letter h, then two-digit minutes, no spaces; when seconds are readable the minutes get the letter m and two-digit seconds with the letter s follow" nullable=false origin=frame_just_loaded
7h08
